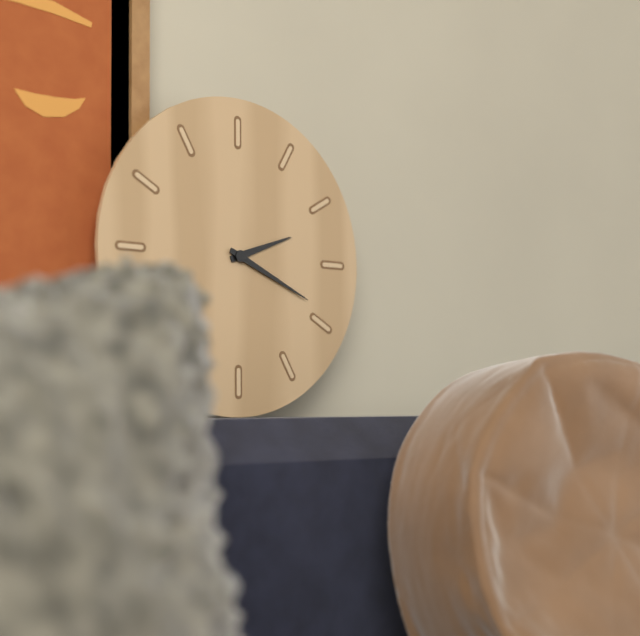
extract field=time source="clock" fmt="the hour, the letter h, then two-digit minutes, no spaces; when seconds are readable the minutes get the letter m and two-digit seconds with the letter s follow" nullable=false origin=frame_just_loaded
2h19
